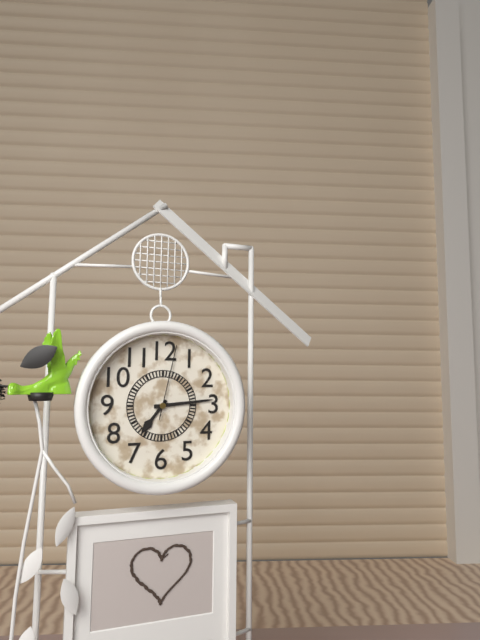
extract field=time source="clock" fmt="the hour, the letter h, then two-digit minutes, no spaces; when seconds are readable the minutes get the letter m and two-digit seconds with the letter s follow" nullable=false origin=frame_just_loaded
7h14m02s
